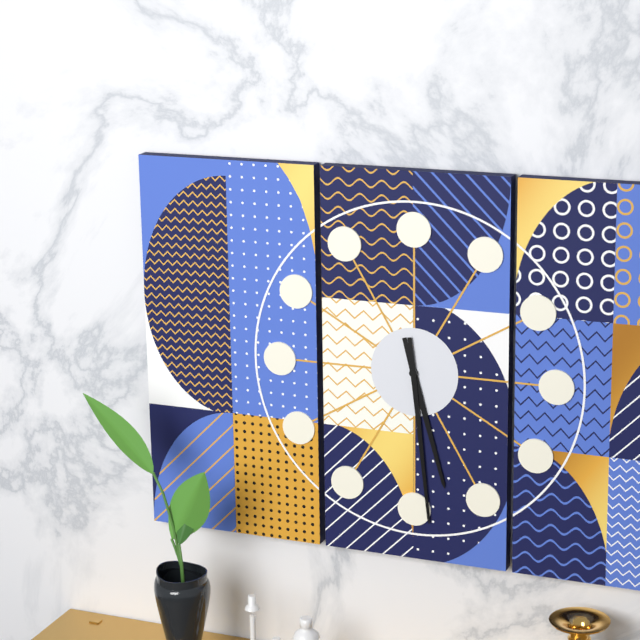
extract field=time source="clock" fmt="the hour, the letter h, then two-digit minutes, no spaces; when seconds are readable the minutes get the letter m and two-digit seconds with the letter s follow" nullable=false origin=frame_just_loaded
5h29
